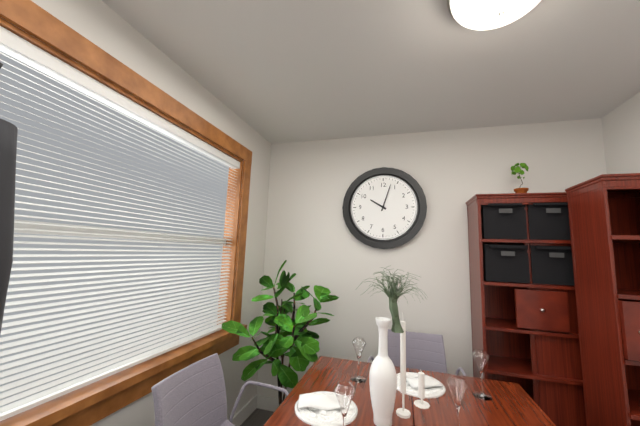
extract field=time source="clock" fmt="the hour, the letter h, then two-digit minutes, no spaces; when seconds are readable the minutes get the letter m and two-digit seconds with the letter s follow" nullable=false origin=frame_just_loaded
10h03
